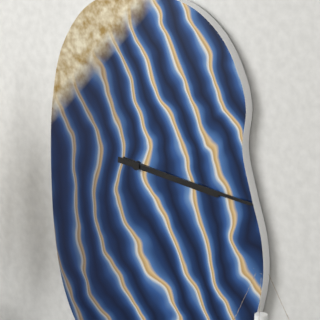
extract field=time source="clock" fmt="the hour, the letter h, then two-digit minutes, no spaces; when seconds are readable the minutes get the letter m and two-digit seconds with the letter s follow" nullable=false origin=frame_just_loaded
3h16
